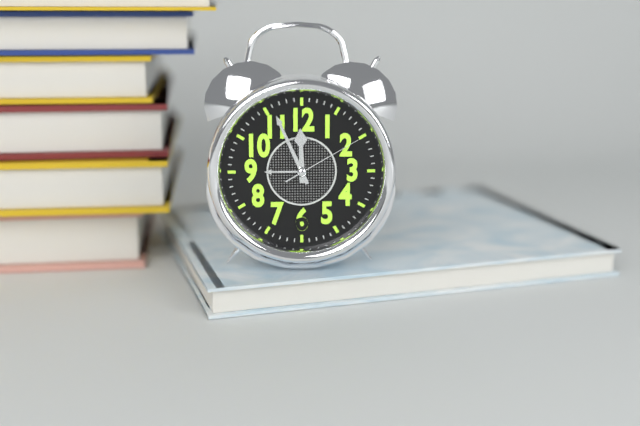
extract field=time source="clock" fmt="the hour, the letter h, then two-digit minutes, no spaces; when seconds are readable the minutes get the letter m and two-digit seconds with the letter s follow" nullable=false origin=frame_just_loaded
11h56m10s
